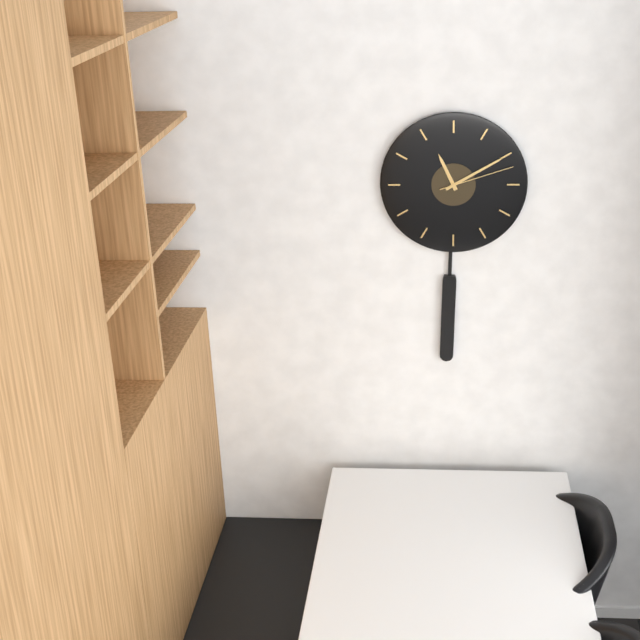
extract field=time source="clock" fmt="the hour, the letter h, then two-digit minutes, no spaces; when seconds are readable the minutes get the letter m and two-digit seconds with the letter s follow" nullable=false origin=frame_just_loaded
11h10m12s
